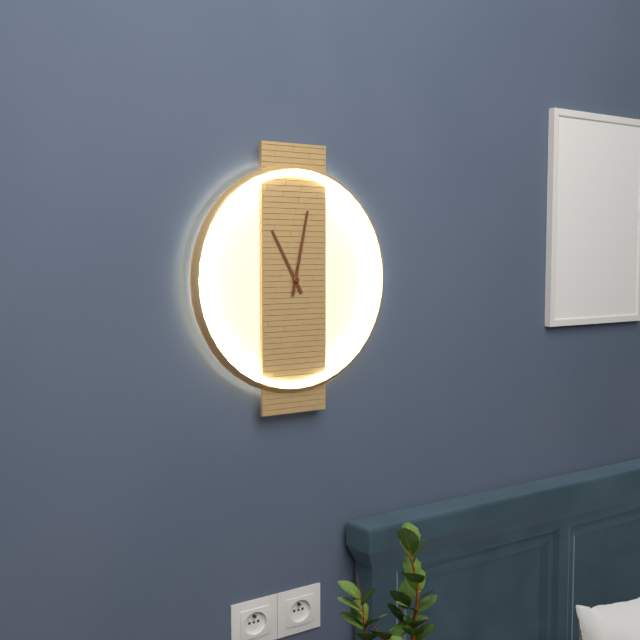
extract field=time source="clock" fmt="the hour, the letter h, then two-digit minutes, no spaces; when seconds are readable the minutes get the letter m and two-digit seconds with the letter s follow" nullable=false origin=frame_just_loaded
11h02
